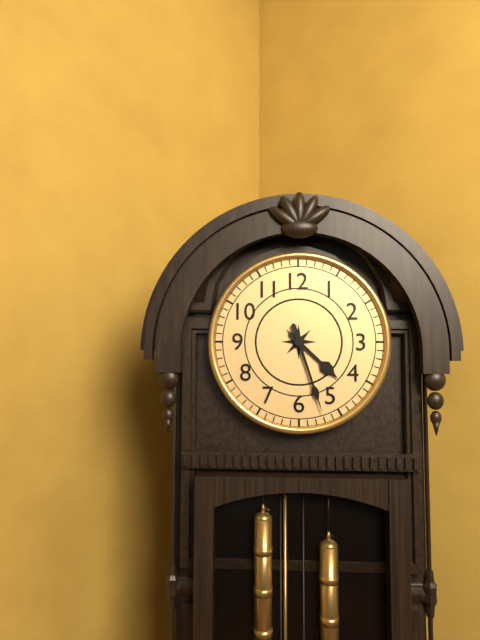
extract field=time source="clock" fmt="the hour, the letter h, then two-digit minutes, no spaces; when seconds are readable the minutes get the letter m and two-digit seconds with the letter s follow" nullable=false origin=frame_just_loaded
4h27
